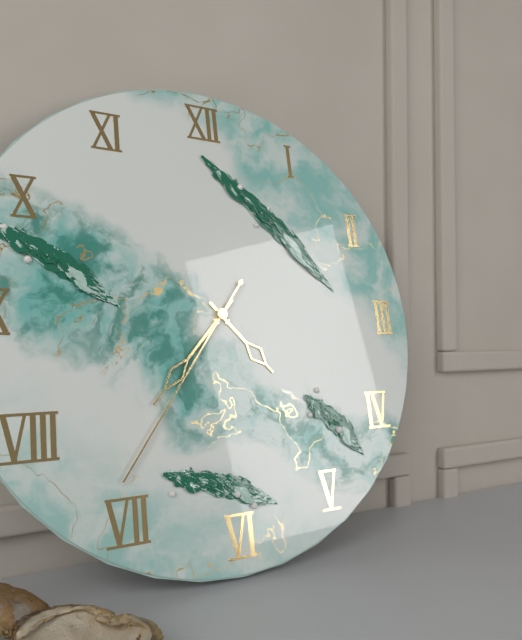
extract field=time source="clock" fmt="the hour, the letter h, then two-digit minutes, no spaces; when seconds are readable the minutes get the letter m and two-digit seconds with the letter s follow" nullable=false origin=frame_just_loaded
4h37m36s
